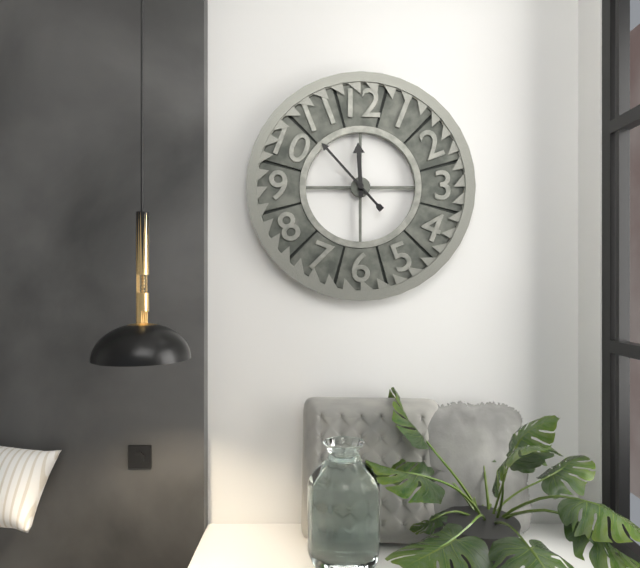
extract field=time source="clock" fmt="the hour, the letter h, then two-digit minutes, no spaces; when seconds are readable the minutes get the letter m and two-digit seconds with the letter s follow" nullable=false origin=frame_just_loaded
11h53
